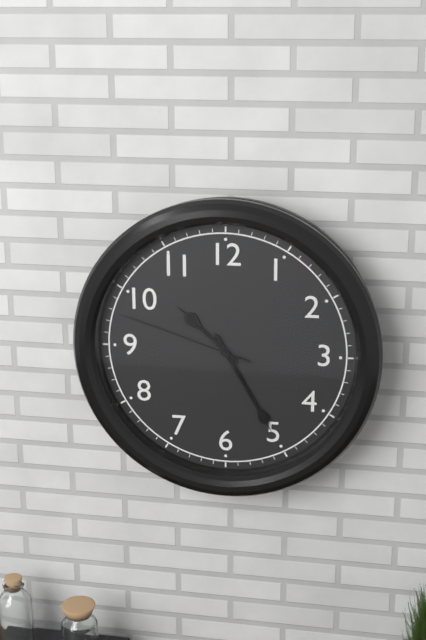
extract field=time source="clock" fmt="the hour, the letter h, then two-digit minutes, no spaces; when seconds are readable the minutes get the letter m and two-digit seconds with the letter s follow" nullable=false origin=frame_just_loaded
10h25m48s
